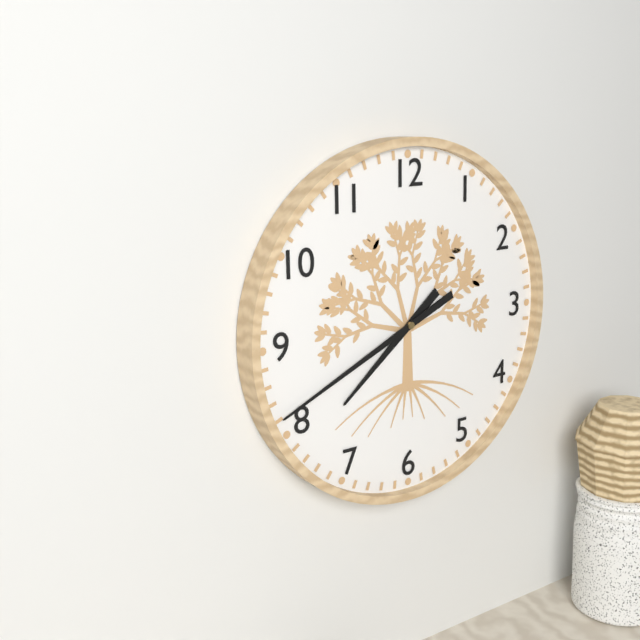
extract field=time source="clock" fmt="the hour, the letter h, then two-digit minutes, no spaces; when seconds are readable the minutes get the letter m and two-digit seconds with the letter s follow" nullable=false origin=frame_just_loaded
7h41
